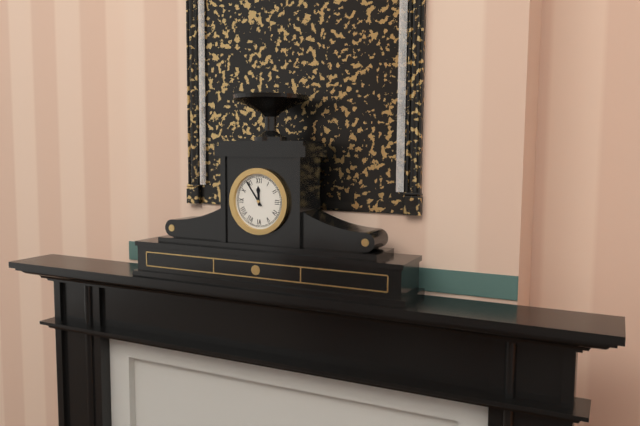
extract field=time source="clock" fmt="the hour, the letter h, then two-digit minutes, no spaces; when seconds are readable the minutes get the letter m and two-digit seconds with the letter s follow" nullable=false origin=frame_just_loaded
11h54
